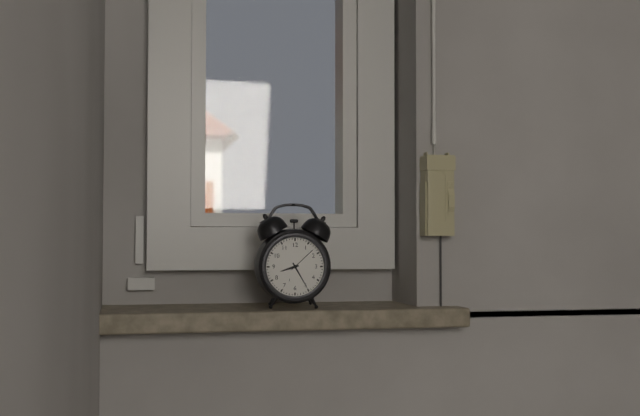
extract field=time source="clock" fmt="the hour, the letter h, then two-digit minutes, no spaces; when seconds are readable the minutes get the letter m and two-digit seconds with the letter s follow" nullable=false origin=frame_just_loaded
8h25
